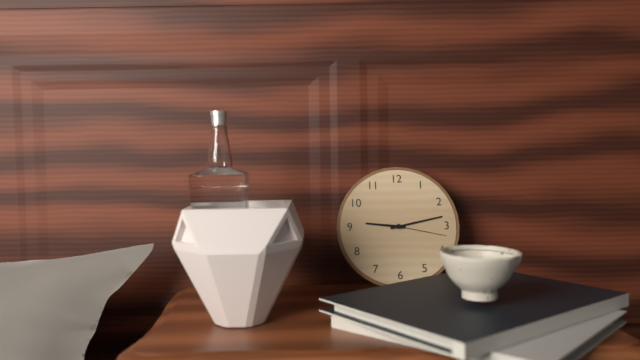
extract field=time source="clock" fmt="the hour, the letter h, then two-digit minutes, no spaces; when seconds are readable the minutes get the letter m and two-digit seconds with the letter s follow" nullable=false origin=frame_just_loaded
9h13m17s
